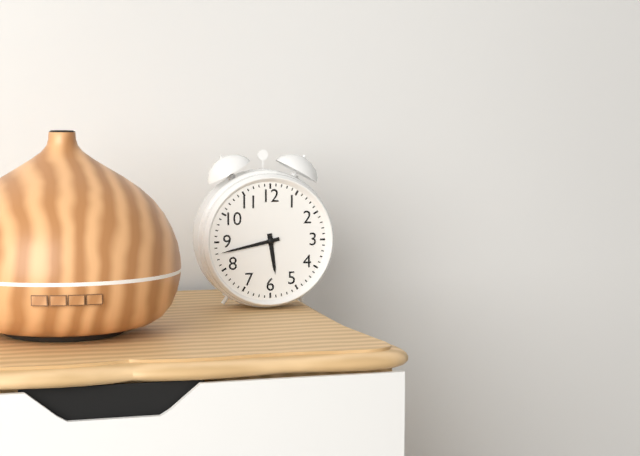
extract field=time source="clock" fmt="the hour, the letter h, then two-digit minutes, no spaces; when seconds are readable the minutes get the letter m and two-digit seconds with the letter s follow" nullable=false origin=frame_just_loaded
5h43
